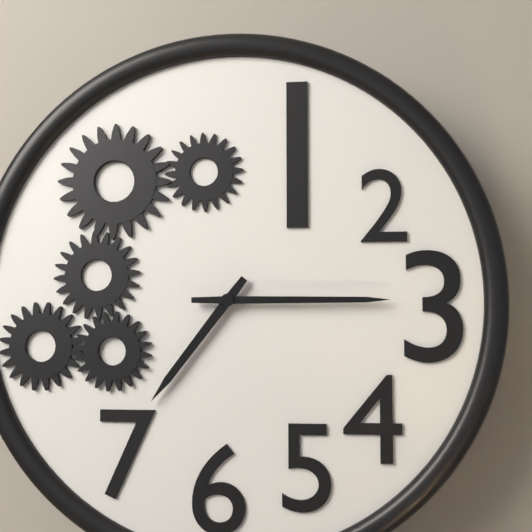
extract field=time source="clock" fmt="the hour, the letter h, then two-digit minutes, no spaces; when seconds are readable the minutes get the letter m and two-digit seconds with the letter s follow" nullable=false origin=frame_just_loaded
7h15
